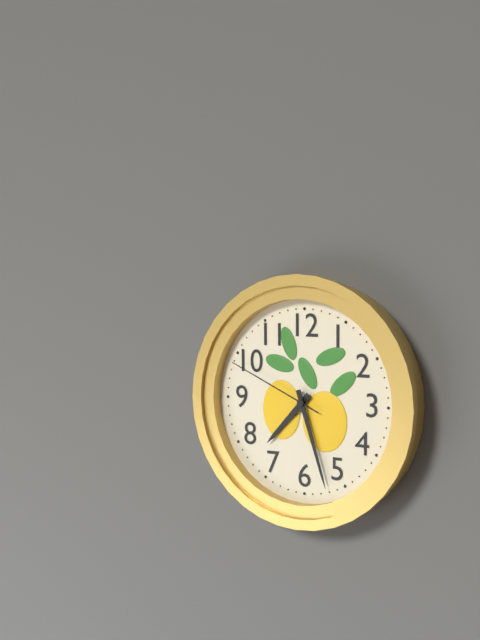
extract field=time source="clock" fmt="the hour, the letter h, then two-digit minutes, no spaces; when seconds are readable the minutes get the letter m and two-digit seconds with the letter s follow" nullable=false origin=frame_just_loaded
7h27m49s
